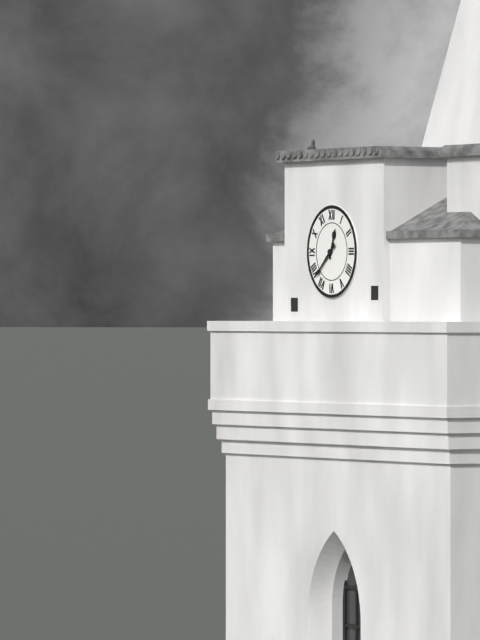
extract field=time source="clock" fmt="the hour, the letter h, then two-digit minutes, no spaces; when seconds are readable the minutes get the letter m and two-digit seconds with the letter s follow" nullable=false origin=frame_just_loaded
12h38
